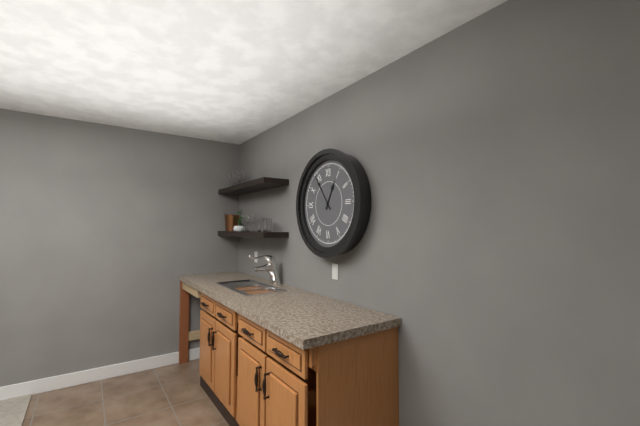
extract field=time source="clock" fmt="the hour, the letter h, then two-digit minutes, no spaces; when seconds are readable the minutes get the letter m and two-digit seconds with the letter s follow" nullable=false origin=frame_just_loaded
12h54
